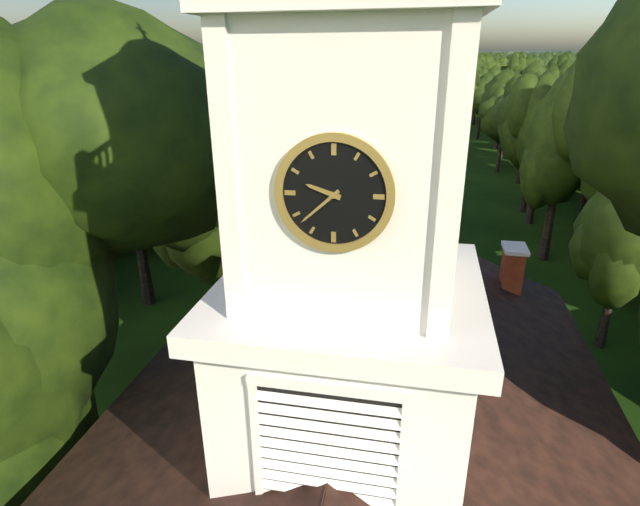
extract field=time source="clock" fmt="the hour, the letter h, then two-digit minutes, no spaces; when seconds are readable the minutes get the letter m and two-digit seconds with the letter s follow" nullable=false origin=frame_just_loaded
9h38
